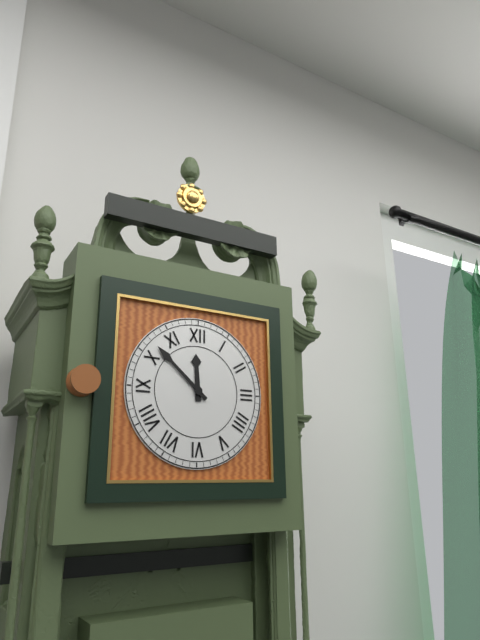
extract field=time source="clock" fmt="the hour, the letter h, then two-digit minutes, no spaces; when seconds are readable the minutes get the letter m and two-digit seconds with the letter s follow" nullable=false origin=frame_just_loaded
11h52
